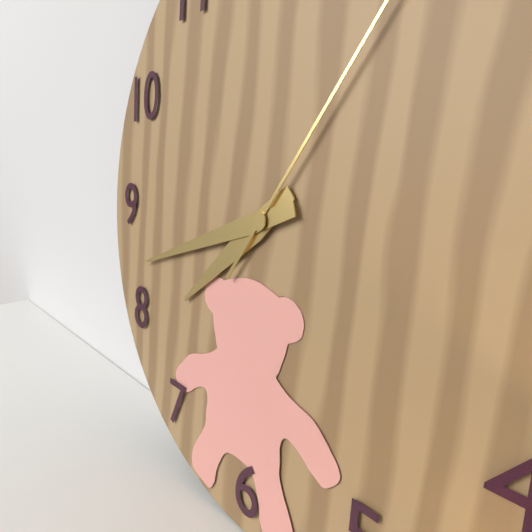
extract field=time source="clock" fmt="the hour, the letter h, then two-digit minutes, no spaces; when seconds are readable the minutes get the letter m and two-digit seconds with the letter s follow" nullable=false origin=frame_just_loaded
7h42
